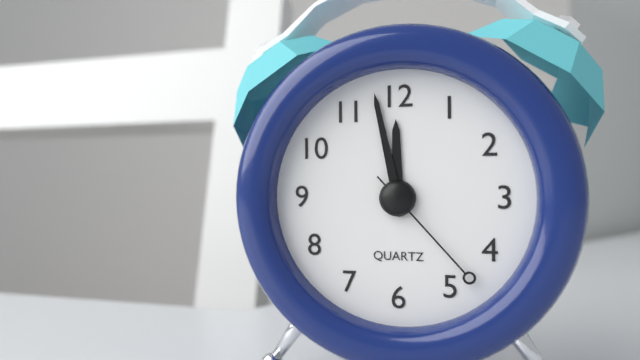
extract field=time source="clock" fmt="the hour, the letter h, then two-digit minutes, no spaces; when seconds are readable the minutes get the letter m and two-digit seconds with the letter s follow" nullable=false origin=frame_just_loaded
11h58m23s
